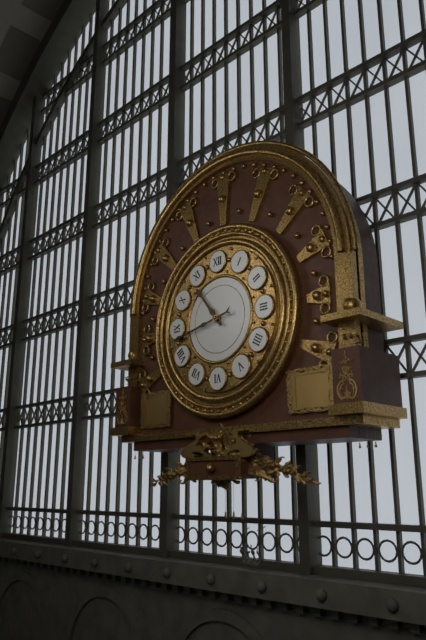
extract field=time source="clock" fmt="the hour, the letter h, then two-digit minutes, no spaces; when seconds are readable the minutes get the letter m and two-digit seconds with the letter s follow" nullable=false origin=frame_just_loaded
10h43
